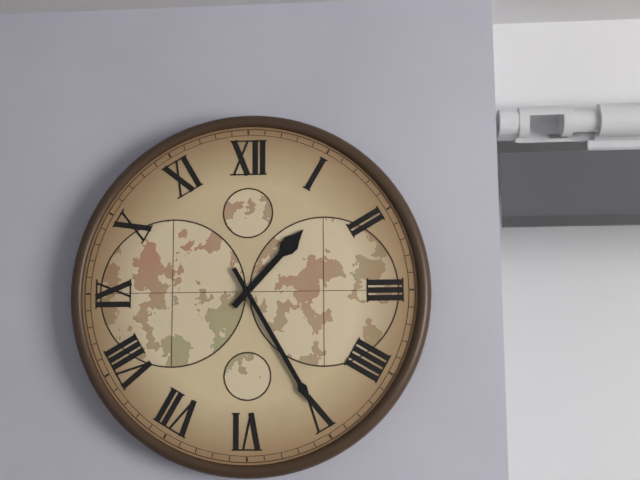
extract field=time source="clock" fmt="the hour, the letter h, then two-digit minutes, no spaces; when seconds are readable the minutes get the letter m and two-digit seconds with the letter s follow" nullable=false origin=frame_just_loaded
1h25
